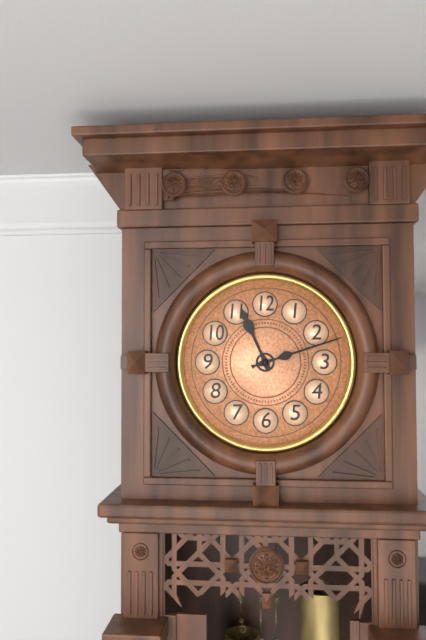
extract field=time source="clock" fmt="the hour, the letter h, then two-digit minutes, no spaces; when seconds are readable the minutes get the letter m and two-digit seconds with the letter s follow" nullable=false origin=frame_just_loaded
11h12
